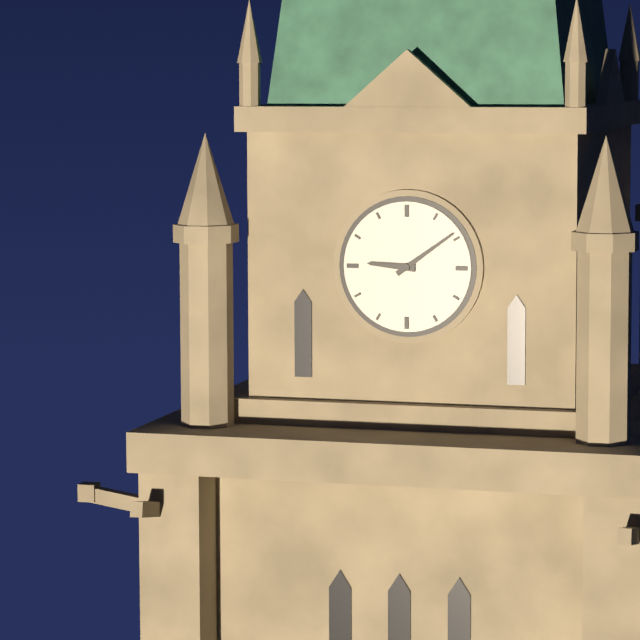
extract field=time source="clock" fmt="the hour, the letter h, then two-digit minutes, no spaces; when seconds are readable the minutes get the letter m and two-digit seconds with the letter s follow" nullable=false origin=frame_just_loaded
9h09
